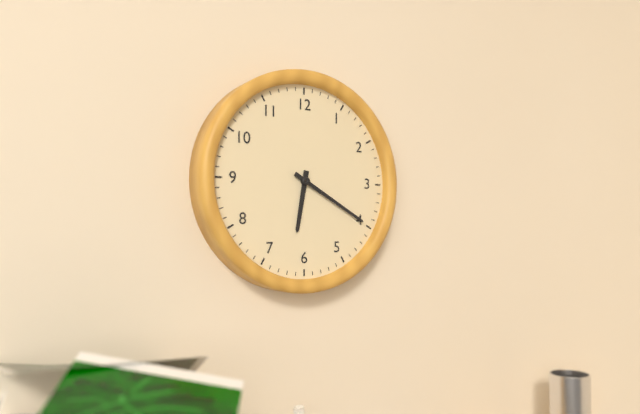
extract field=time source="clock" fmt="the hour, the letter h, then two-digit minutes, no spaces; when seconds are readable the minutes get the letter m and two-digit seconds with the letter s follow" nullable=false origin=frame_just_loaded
6h20
